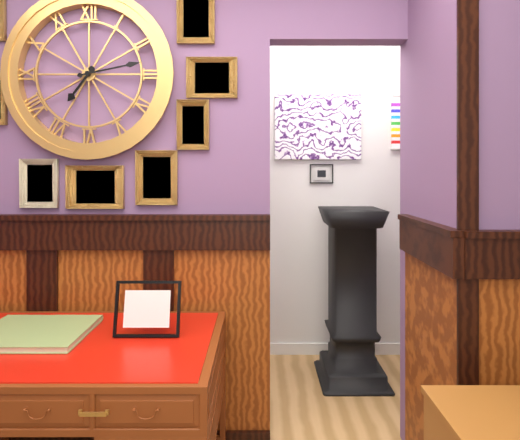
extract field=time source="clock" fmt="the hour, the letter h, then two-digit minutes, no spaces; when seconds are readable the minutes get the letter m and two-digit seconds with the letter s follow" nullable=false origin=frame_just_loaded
7h13
